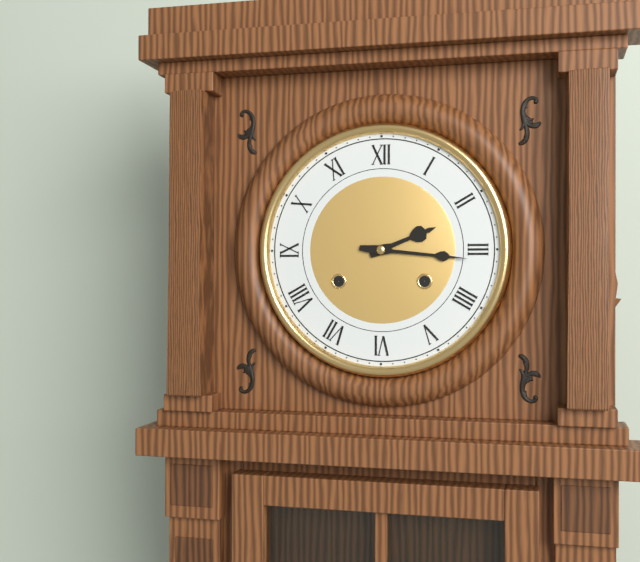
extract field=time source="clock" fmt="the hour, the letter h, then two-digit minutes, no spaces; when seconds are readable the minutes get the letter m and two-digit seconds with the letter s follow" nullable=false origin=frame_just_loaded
2h16
